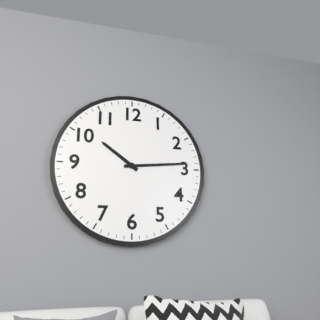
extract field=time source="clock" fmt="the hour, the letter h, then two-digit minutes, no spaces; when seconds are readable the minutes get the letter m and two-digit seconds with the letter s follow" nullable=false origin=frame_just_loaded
10h14
